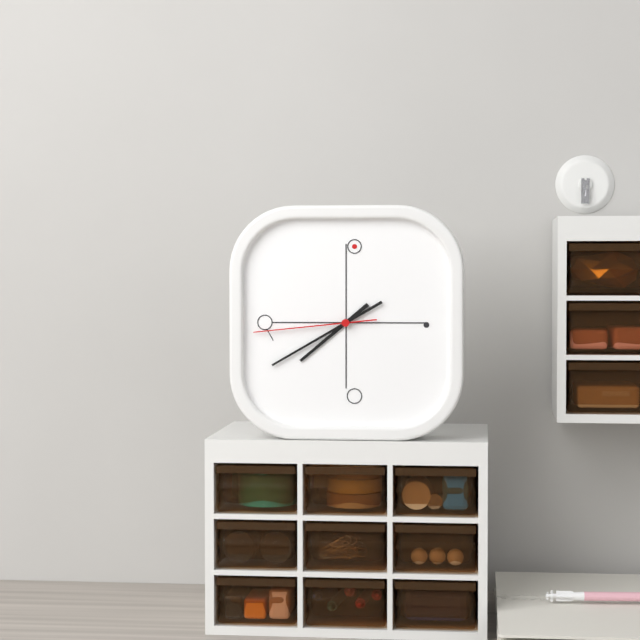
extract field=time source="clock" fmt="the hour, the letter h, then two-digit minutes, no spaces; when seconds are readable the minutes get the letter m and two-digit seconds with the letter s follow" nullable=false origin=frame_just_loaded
7h40m44s
